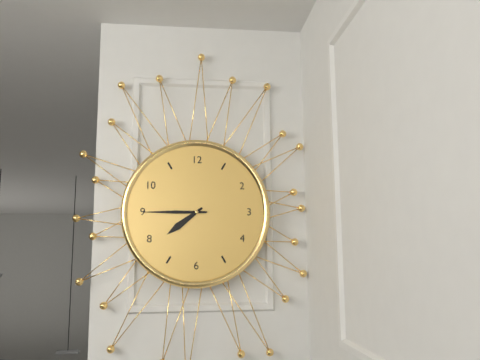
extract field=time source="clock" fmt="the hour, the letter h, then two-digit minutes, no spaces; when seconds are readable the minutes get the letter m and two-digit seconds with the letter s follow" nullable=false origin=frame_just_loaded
7h45
